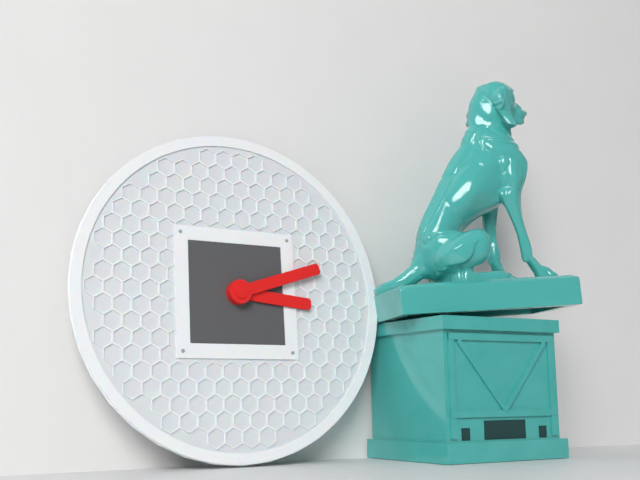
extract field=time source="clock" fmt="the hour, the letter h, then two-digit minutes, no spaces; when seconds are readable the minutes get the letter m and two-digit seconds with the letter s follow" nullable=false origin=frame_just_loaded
3h12
